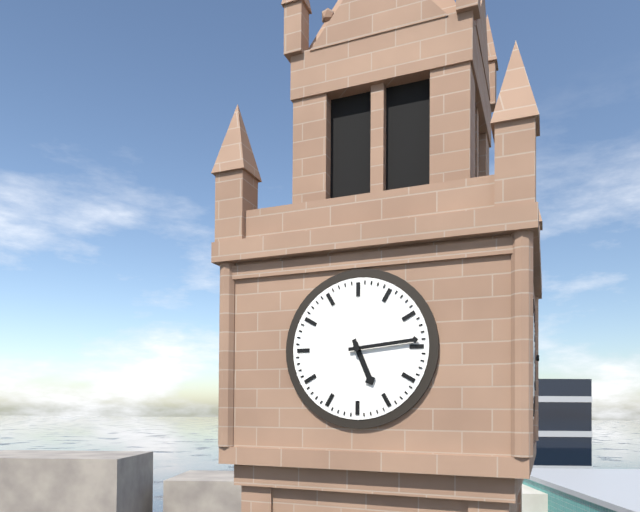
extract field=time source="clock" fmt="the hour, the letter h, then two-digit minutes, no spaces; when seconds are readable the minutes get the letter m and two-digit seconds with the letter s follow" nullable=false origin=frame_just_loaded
5h14
